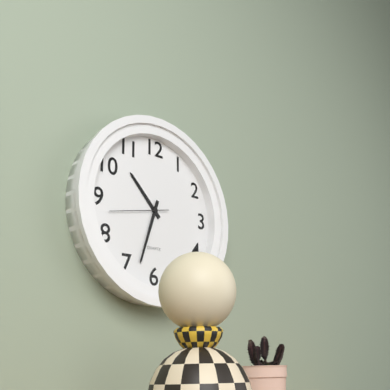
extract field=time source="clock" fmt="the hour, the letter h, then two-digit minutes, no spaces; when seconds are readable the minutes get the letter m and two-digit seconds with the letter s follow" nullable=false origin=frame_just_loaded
10h33m43s
